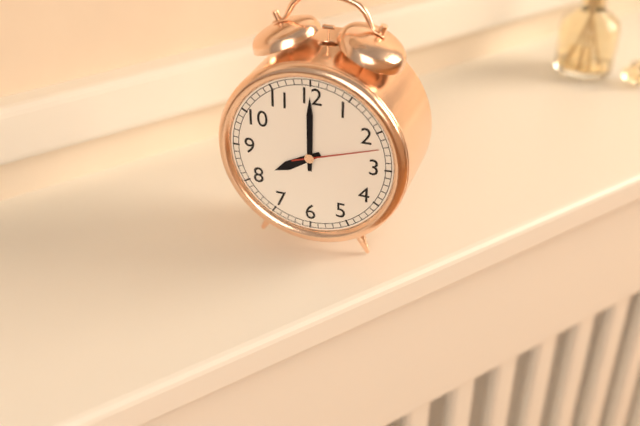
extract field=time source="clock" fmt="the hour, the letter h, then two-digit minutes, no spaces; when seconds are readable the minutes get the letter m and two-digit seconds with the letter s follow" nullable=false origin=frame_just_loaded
8h00m12s
